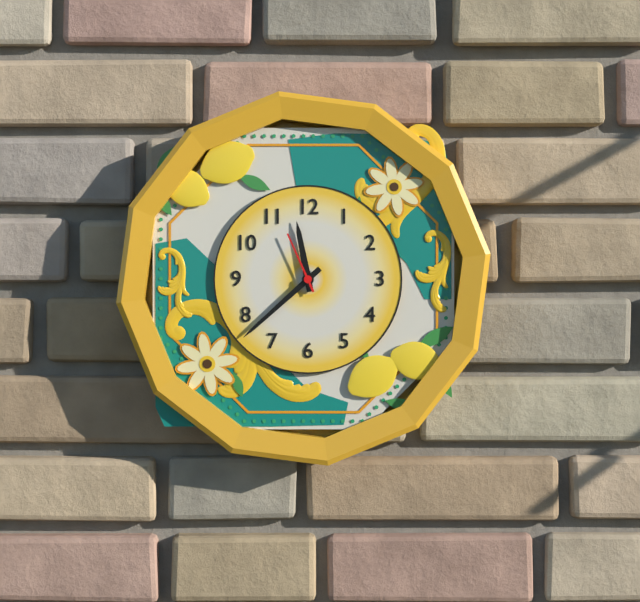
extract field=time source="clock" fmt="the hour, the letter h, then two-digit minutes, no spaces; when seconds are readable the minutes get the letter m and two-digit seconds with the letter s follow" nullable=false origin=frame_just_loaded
11h38m56s
